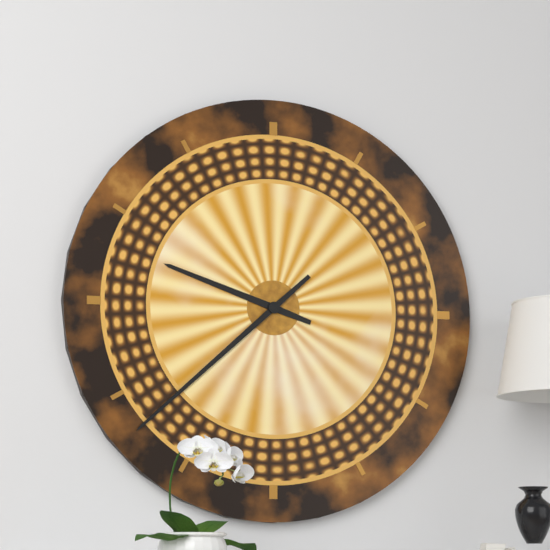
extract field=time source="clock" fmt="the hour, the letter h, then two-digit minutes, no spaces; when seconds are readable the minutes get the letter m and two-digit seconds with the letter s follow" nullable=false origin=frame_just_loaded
9h38
